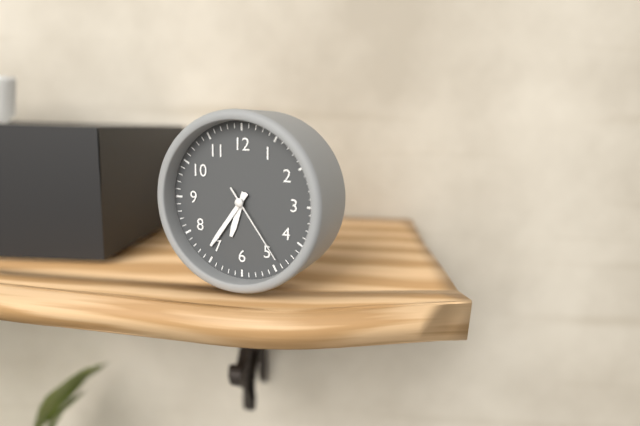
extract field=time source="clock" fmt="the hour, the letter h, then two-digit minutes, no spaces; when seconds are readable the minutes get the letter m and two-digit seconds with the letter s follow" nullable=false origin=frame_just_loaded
6h36m24s
